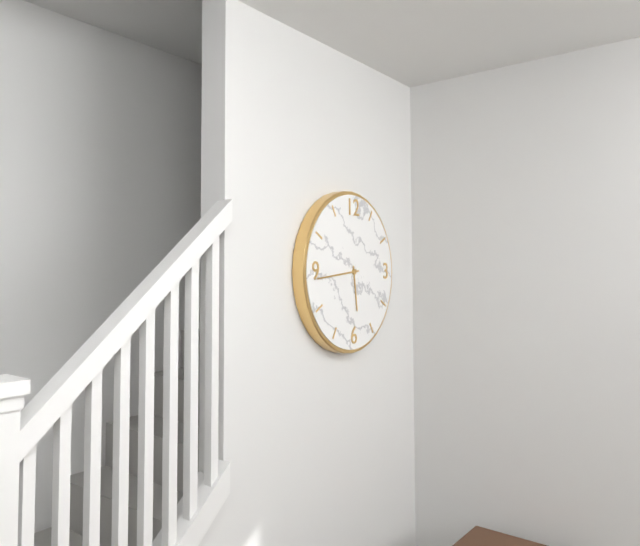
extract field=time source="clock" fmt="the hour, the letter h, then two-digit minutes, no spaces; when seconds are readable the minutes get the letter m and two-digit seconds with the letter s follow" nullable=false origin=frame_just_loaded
5h44
